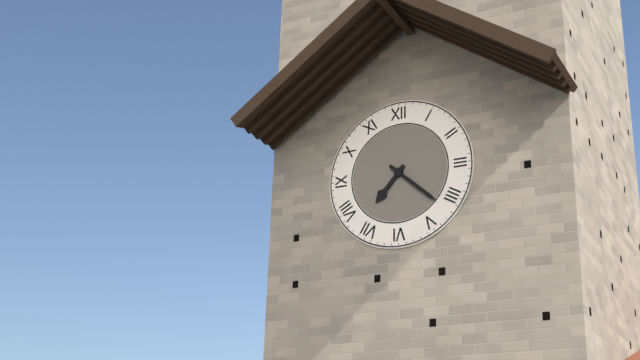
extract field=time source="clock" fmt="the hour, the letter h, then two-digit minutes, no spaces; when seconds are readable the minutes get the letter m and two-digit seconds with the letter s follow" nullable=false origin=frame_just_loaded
7h22
